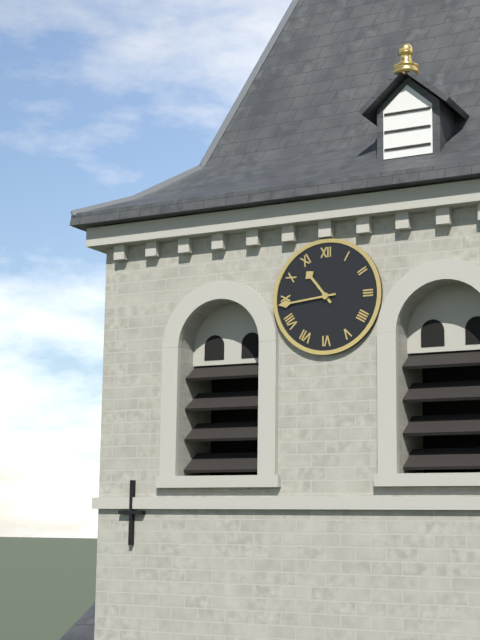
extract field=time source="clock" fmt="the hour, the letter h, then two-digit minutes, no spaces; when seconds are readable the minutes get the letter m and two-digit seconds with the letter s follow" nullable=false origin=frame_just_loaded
10h44
